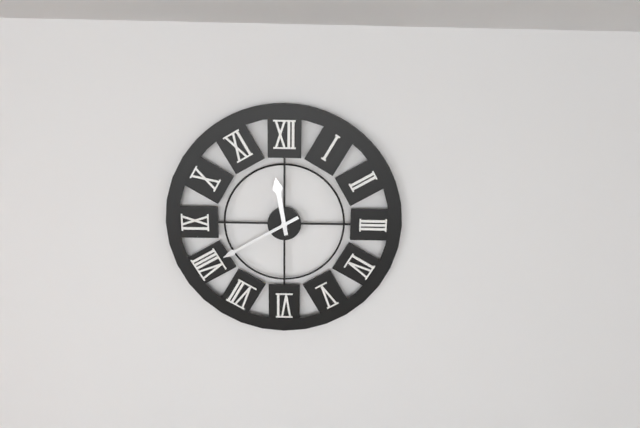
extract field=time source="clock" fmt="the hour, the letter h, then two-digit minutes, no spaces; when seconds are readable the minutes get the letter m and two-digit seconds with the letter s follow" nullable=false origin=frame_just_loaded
11h40
